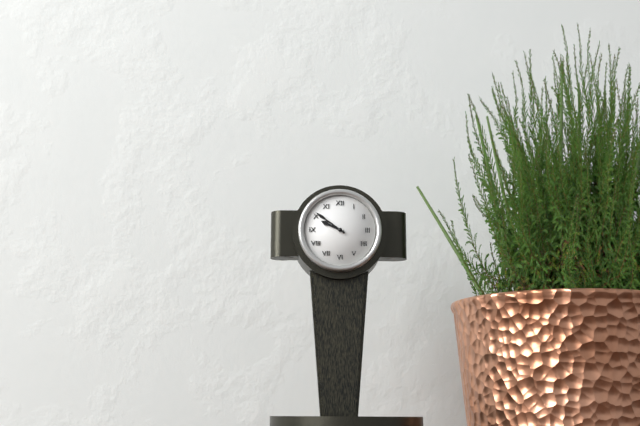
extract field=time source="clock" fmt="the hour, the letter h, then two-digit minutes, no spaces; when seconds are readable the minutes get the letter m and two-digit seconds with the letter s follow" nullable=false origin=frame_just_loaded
9h51
